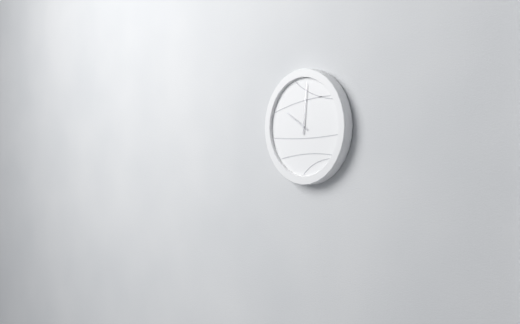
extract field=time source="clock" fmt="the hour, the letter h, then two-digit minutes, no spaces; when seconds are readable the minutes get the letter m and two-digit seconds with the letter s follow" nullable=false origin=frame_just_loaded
10h01
